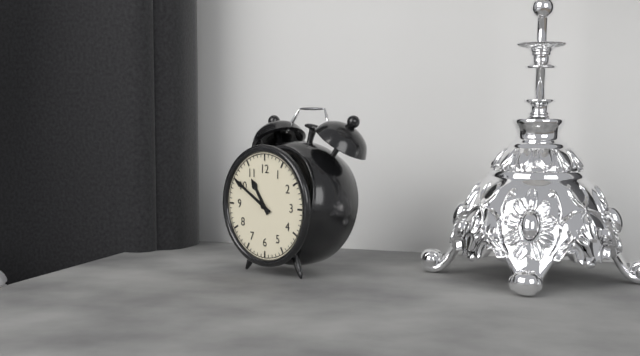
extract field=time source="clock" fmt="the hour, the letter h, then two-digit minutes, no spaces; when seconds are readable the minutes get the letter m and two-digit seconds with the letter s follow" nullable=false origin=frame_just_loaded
10h50
